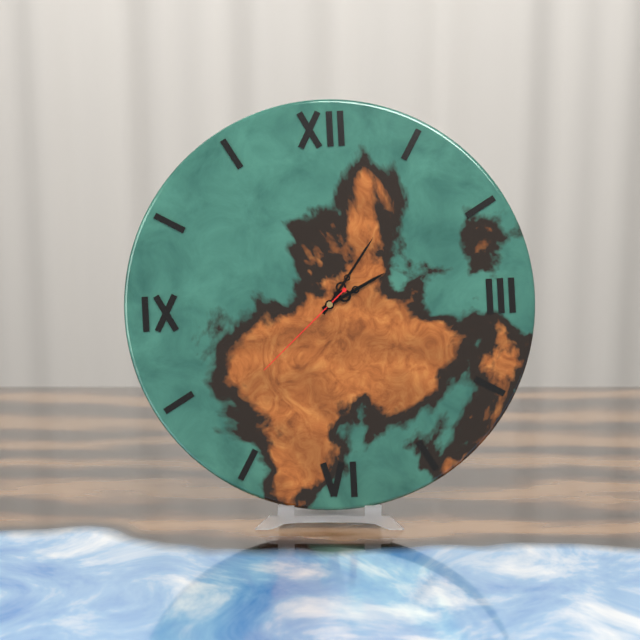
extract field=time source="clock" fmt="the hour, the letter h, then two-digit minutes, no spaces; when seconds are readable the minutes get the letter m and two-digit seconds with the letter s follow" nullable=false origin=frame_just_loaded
2h06m38s
